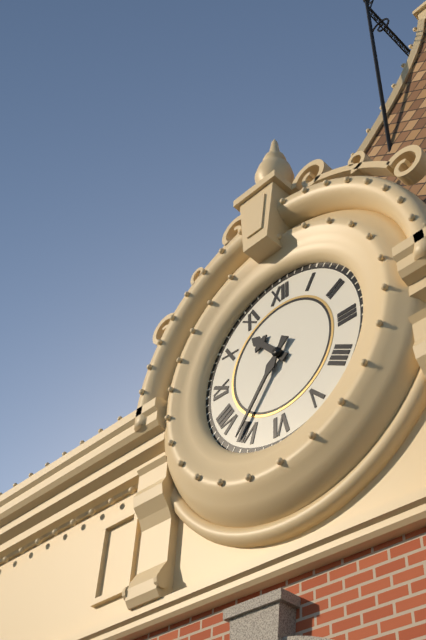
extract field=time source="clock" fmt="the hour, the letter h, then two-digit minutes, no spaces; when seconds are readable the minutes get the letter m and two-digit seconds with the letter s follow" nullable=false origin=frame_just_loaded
10h36
